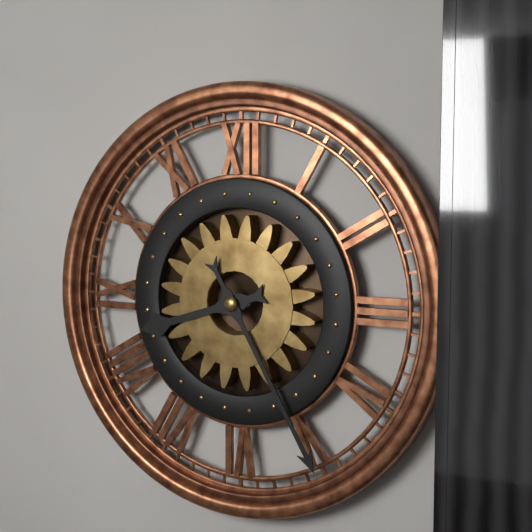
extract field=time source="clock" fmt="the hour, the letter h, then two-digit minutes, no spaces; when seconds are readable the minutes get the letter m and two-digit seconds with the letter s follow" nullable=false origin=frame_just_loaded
8h25
